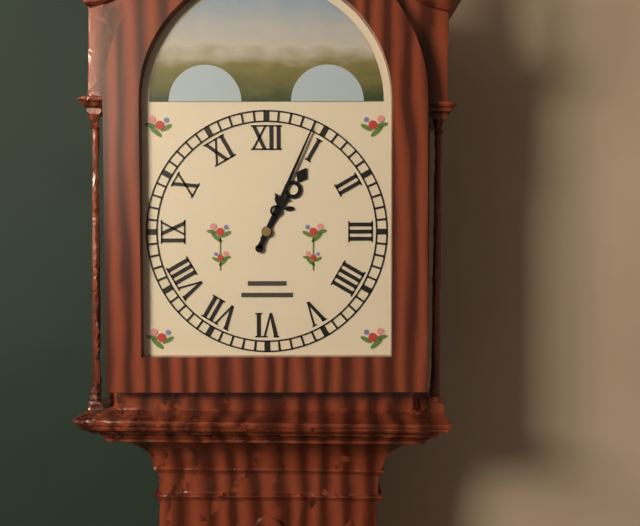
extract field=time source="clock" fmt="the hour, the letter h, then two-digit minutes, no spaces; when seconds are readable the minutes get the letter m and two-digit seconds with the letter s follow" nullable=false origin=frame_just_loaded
1h04
